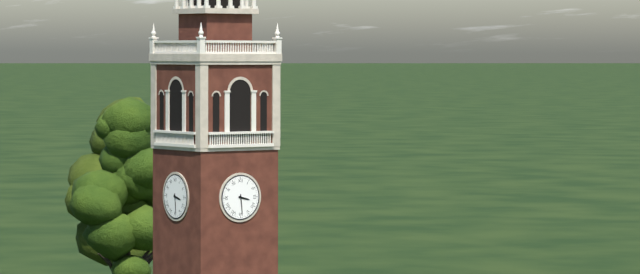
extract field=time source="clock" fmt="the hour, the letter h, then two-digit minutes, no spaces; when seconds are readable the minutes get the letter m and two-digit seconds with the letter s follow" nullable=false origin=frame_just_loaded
3h29
